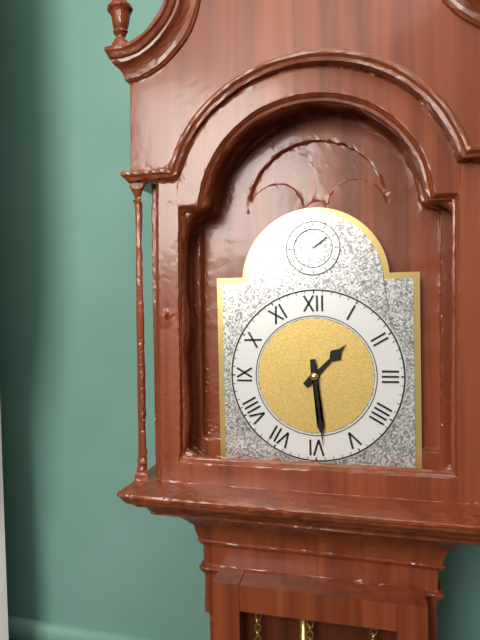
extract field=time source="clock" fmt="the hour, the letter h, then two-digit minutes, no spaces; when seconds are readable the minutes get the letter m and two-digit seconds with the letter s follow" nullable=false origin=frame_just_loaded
1h29
